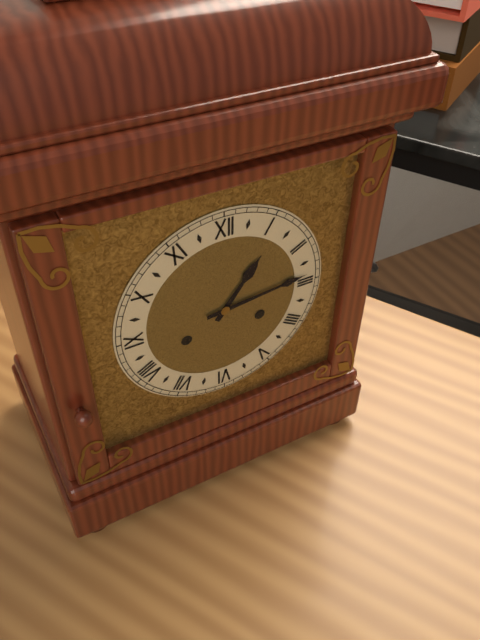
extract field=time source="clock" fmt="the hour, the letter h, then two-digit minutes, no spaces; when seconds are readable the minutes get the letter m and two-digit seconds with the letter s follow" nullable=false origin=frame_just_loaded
1h14
